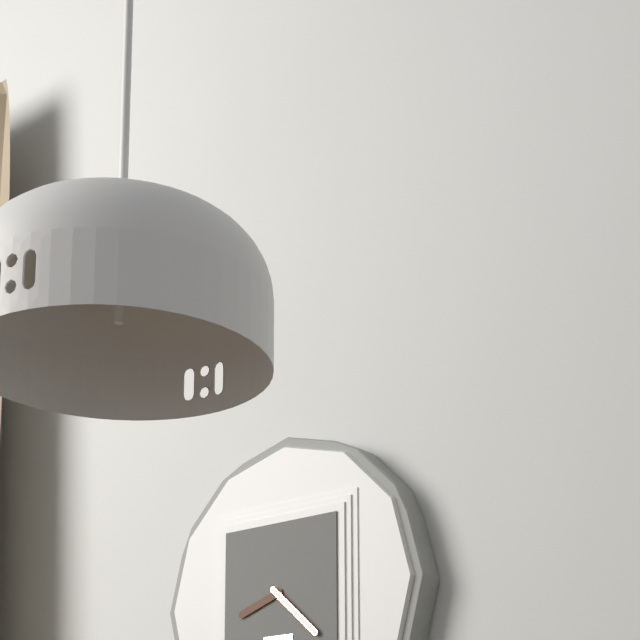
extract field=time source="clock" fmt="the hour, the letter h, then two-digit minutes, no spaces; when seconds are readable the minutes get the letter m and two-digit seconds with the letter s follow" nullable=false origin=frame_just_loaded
8h22
